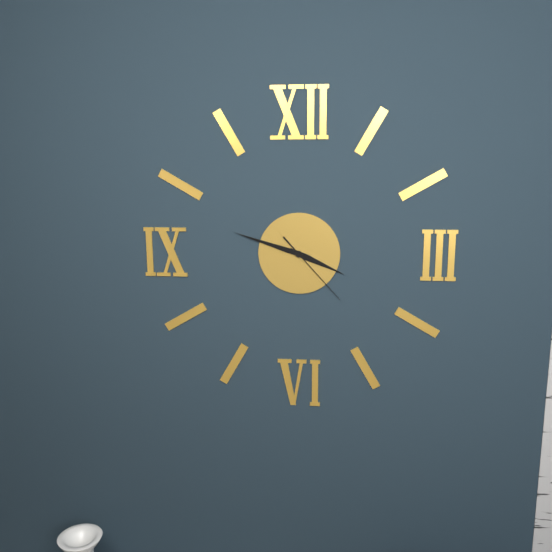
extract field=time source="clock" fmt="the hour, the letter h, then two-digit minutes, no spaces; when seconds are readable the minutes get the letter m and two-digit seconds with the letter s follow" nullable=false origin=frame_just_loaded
3h48m23s
